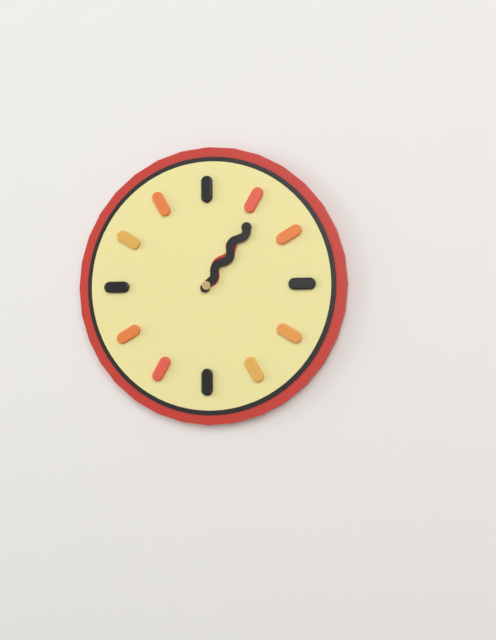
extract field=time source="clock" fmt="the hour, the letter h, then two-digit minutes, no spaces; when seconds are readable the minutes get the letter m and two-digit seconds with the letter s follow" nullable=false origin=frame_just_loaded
1h06
